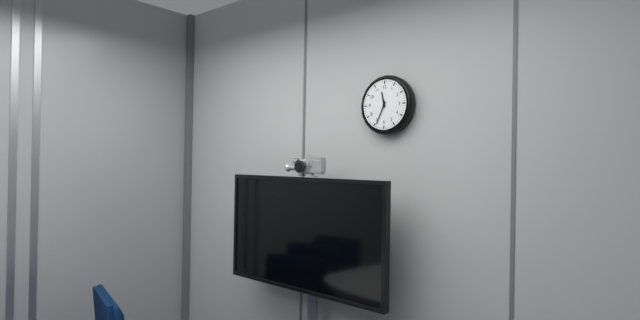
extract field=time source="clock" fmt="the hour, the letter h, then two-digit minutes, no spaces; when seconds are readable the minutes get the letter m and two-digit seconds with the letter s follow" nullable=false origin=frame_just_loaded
11h34
